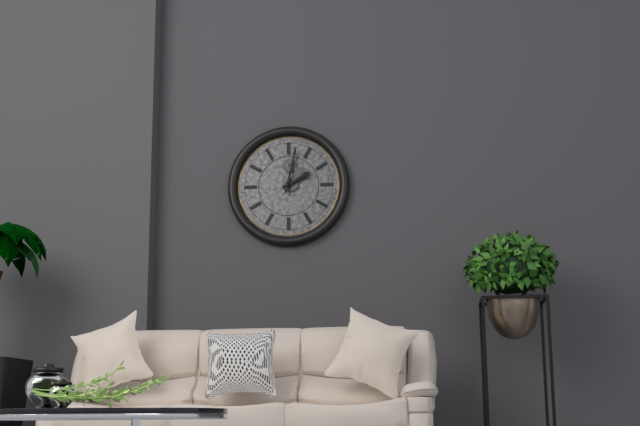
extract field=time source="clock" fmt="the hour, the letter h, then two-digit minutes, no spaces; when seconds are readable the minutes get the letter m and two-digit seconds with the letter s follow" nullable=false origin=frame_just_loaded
2h02
